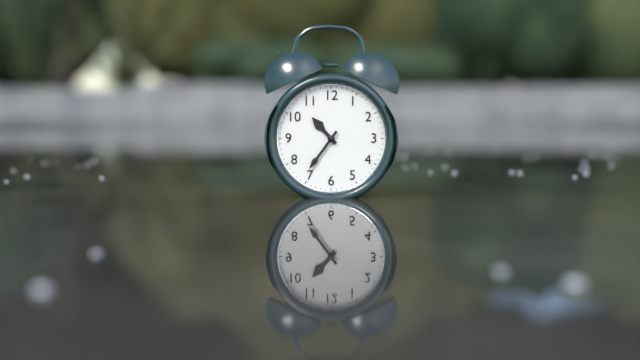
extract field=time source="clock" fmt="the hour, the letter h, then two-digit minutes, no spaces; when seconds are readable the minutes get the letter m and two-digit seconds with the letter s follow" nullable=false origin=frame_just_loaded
10h36
